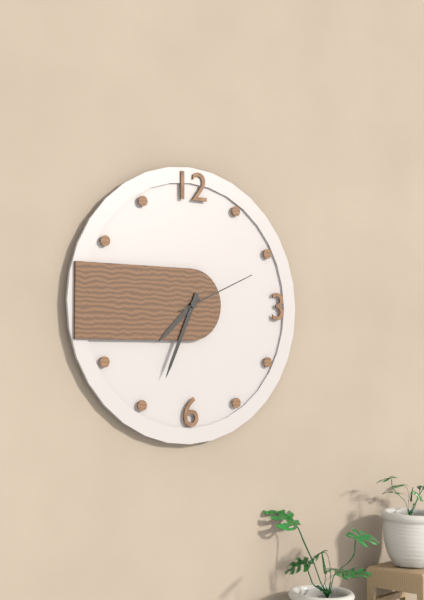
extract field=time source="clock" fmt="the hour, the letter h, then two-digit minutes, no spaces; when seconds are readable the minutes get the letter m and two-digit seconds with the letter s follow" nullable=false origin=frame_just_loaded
7h34m11s
